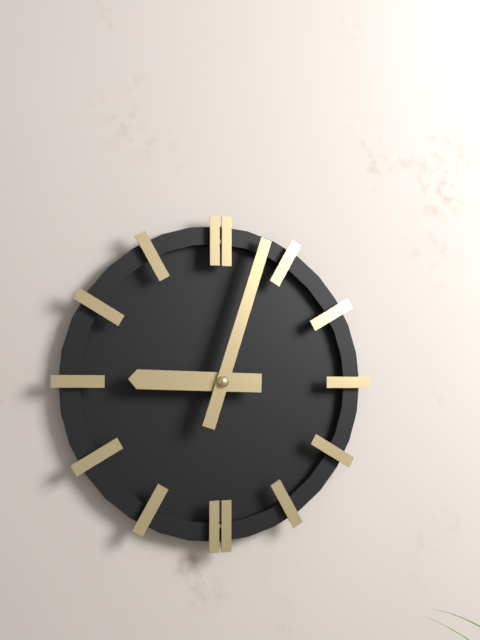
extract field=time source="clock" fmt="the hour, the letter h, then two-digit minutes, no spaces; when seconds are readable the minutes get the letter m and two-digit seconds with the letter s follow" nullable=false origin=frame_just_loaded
9h03
